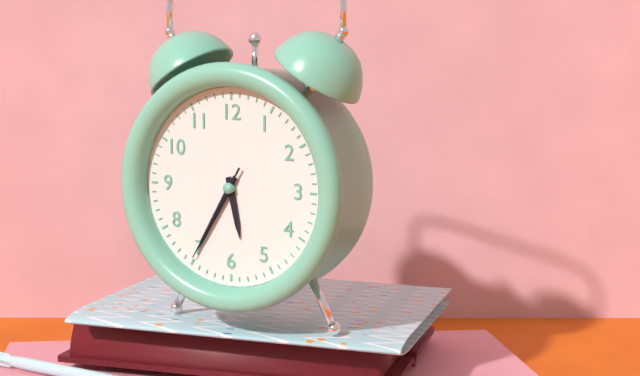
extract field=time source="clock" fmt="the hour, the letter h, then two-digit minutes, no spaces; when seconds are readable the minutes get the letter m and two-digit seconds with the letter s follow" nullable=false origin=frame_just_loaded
5h35m35s
